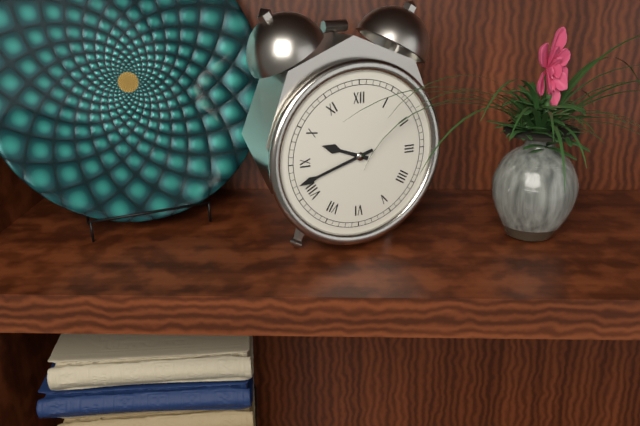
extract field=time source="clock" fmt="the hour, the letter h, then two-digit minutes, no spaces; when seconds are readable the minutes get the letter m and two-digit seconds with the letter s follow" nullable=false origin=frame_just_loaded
9h42
